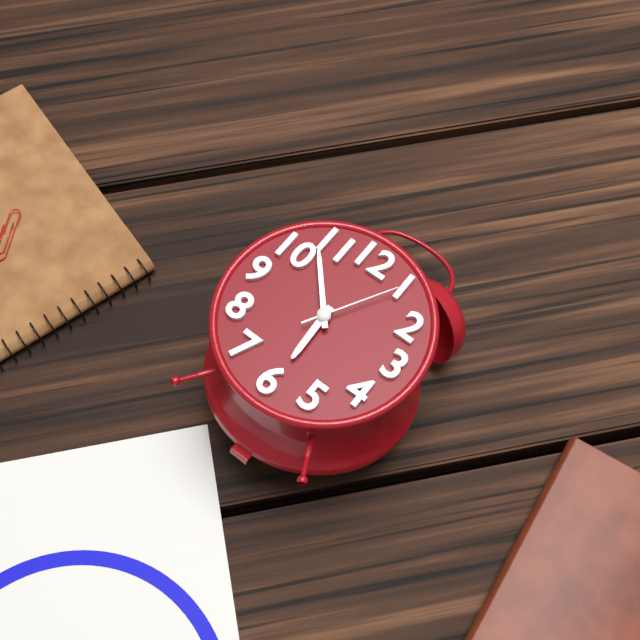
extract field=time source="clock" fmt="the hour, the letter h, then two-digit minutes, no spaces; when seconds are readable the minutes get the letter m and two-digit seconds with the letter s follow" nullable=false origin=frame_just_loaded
5h53m05s
